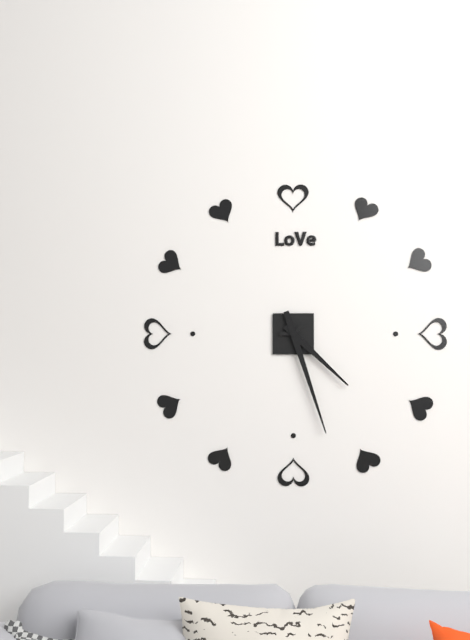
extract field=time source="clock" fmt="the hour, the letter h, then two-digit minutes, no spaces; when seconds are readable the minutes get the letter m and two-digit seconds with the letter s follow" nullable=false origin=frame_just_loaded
4h27
